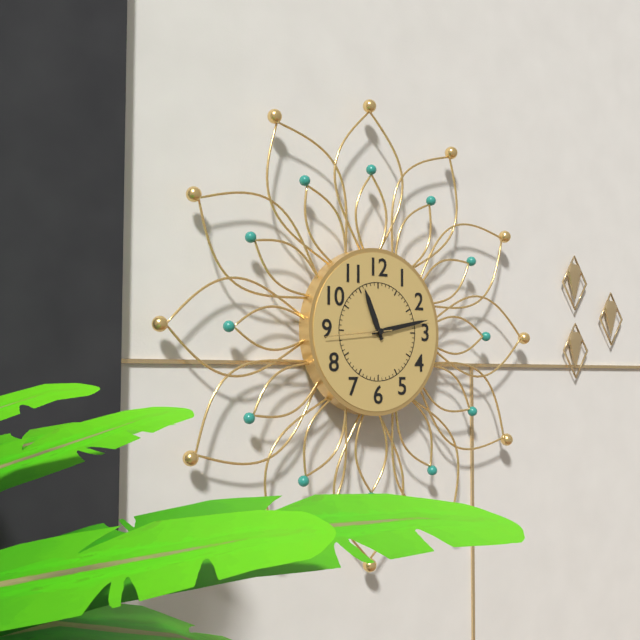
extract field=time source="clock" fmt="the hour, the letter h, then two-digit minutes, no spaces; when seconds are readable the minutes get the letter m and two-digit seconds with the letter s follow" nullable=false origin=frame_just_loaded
11h13m44s
